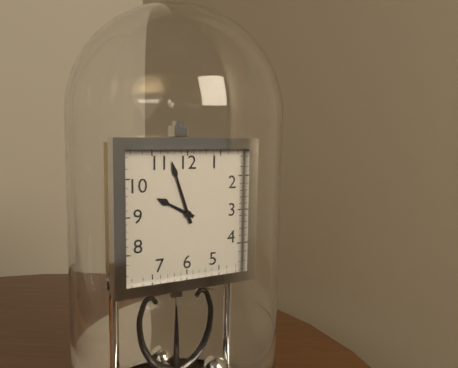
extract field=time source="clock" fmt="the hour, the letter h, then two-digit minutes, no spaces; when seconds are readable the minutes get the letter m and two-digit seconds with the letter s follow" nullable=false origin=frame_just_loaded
9h57
